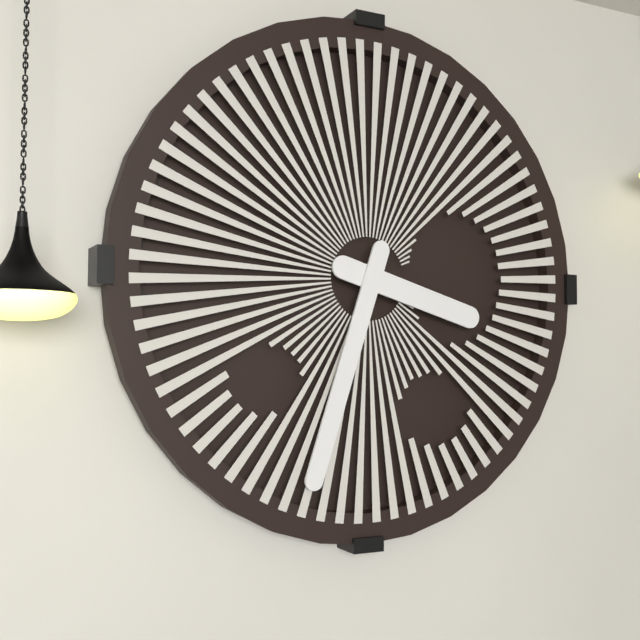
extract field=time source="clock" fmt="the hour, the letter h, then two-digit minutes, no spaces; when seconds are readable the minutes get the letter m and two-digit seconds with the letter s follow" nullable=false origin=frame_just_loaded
3h33
